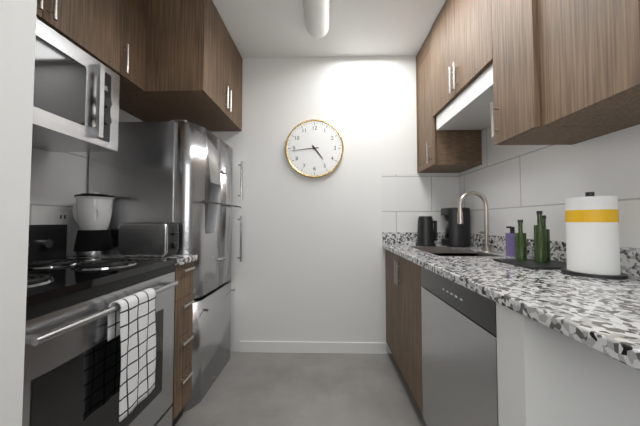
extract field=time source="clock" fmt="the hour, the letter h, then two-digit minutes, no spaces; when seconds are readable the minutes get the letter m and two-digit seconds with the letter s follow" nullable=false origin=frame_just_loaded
4h44
